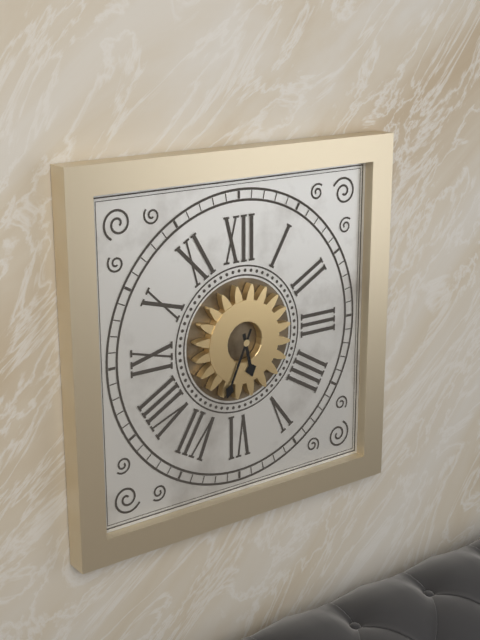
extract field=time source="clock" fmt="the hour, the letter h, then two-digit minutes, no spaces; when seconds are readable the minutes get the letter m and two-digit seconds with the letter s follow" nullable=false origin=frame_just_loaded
5h34
